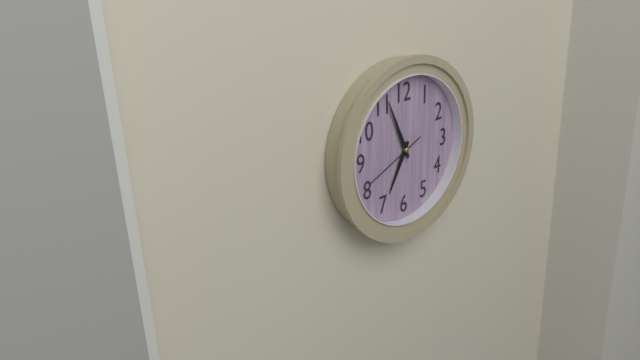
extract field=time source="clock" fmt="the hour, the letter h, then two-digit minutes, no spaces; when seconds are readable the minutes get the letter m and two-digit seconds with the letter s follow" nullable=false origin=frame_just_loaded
6h56m41s
